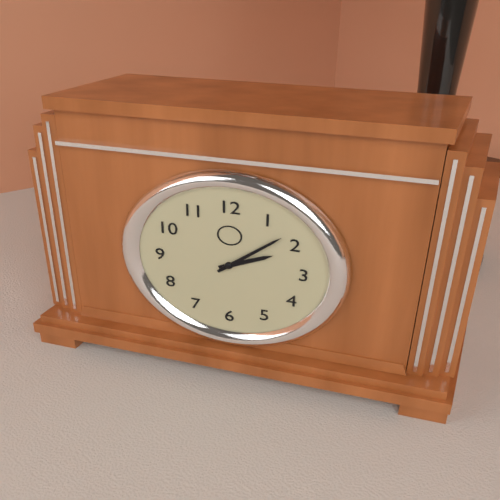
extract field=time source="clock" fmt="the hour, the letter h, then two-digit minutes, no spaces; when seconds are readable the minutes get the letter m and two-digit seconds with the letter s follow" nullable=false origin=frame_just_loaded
2h08
